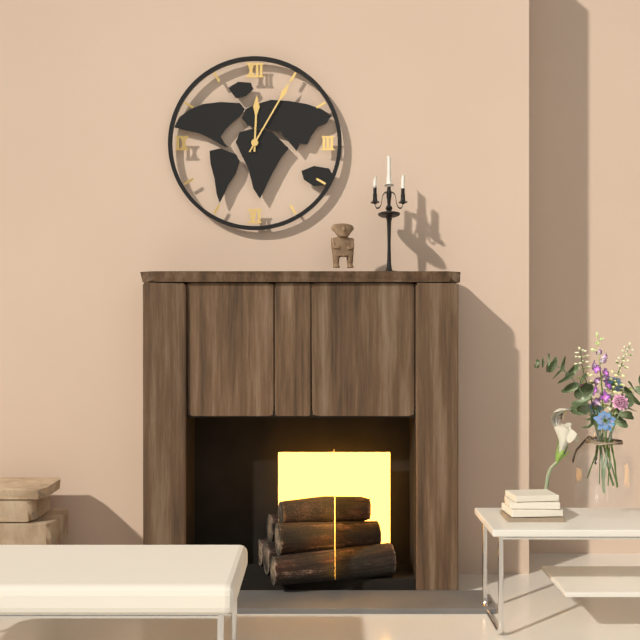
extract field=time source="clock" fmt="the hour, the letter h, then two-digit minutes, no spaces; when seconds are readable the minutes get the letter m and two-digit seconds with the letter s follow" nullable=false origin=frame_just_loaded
12h05
